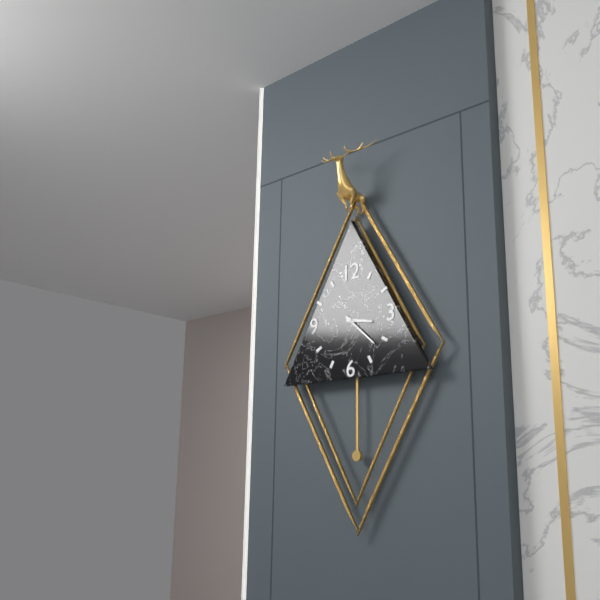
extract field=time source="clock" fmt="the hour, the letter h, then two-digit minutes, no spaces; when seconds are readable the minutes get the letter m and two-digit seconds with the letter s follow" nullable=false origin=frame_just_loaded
3h22
